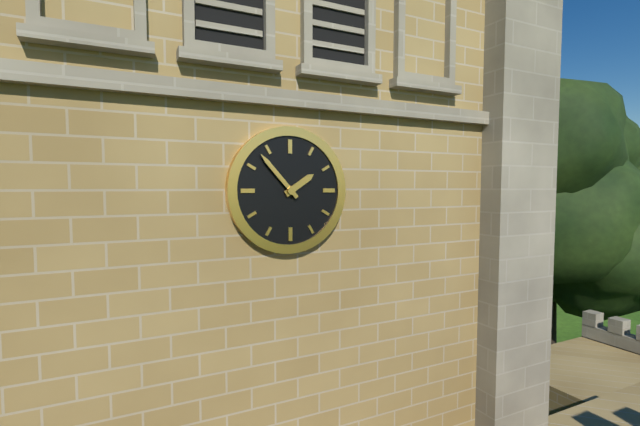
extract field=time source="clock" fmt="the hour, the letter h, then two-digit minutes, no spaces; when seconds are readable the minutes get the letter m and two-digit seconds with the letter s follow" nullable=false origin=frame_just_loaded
1h53
